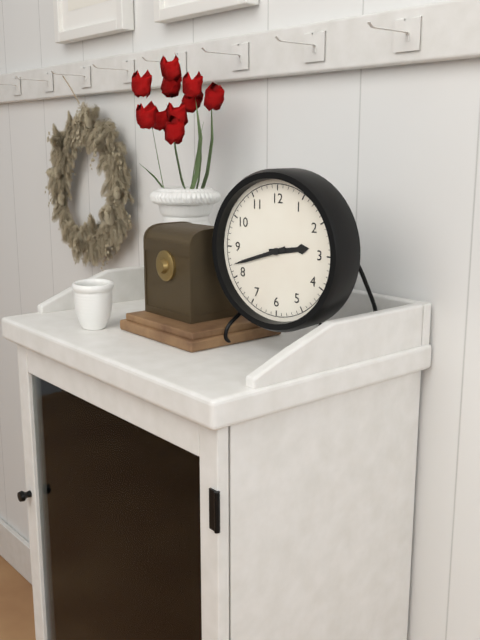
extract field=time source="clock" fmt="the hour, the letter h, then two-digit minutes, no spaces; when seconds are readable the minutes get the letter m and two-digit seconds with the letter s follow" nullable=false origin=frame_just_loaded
2h42
